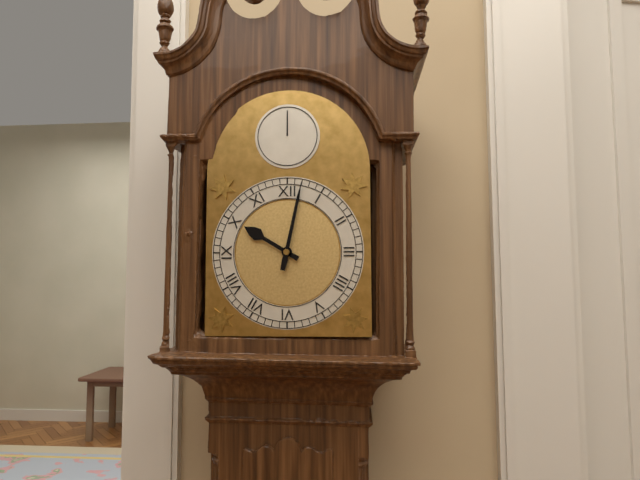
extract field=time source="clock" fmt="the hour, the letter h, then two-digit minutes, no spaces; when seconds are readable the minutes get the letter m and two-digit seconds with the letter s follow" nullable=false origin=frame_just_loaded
10h02
